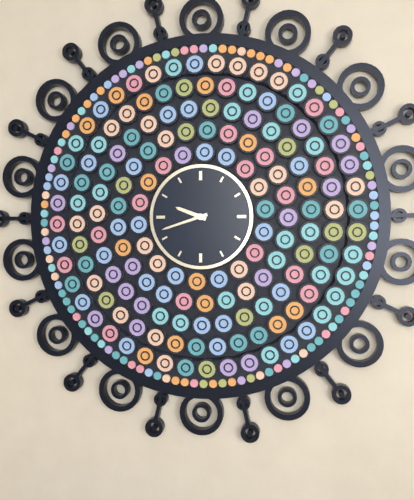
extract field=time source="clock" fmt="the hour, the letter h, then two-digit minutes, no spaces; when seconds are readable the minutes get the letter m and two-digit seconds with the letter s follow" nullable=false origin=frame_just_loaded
9h42
